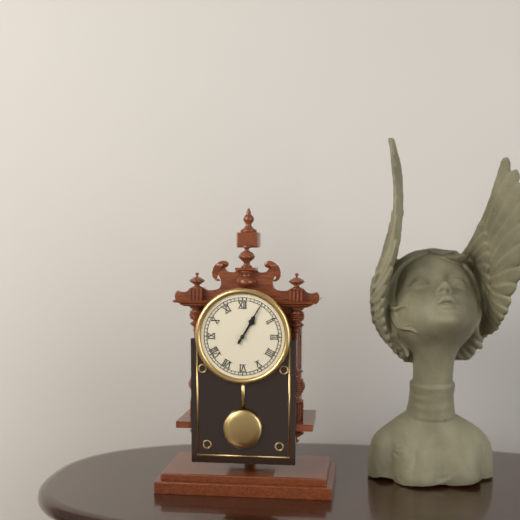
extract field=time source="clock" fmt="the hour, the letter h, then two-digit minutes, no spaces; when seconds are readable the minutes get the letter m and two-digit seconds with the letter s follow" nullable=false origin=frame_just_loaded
1h05
